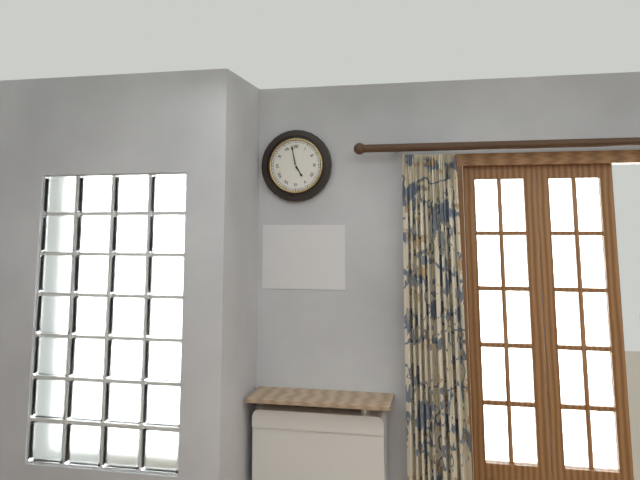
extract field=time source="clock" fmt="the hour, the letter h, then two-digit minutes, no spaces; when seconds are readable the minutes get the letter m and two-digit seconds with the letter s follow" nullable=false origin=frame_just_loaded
4h58
